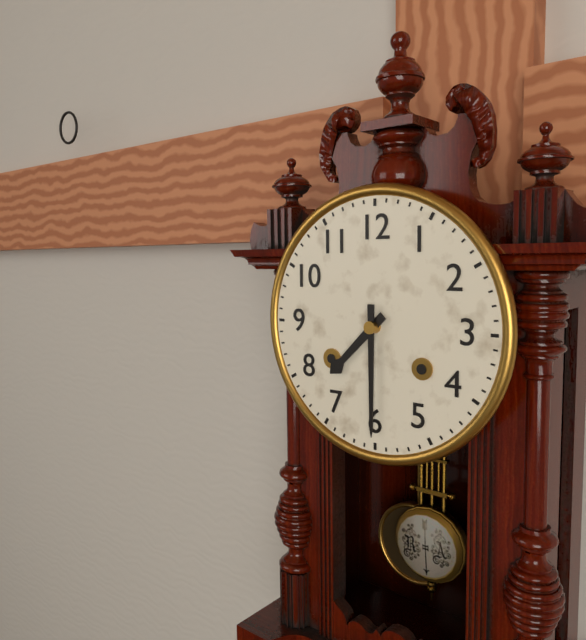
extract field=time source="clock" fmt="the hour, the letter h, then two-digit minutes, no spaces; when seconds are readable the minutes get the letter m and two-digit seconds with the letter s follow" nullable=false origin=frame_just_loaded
7h30
